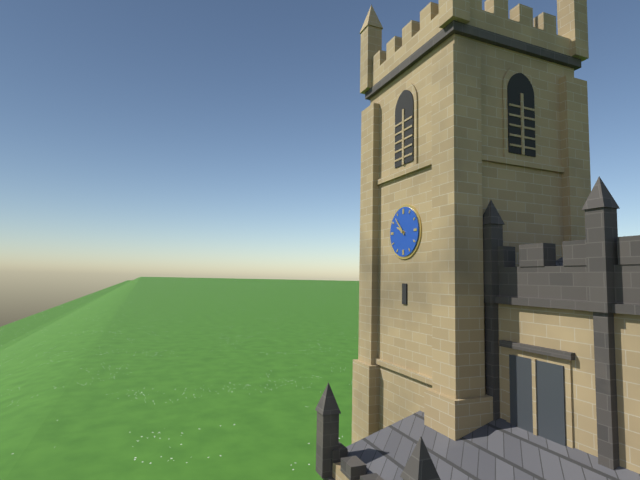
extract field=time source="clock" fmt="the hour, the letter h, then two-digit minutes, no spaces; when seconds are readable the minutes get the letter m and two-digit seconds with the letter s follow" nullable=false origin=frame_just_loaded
9h53
